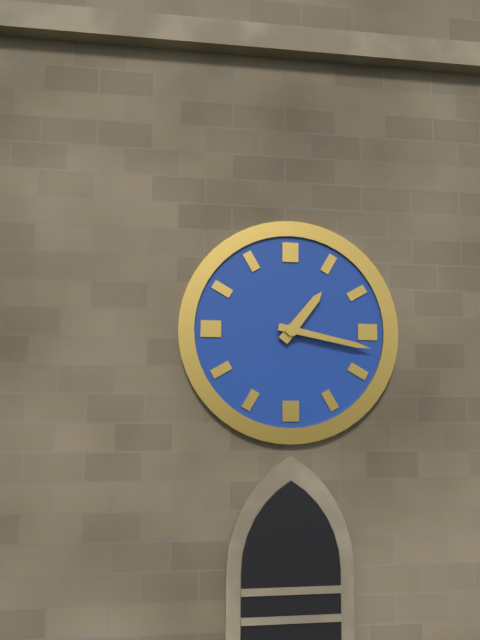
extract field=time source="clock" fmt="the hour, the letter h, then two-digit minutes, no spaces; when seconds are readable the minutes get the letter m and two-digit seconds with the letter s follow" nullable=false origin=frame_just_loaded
1h17
